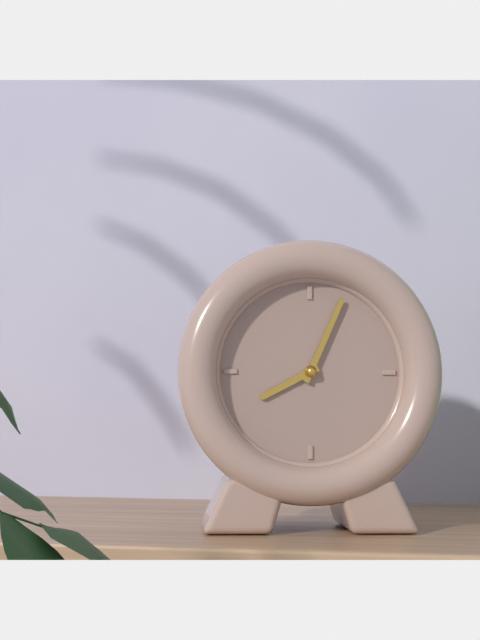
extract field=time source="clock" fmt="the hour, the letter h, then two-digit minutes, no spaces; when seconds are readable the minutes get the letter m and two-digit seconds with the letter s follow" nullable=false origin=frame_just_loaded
8h04
